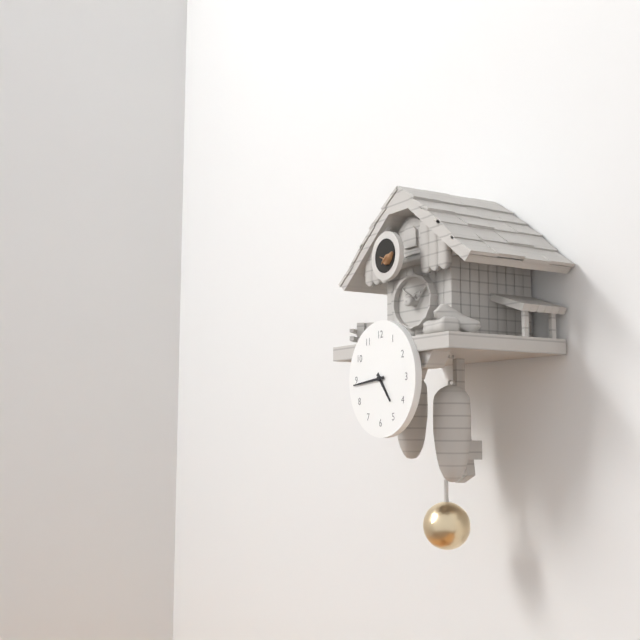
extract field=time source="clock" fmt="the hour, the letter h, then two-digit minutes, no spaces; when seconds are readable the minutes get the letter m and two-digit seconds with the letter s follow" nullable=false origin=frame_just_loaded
4h44
